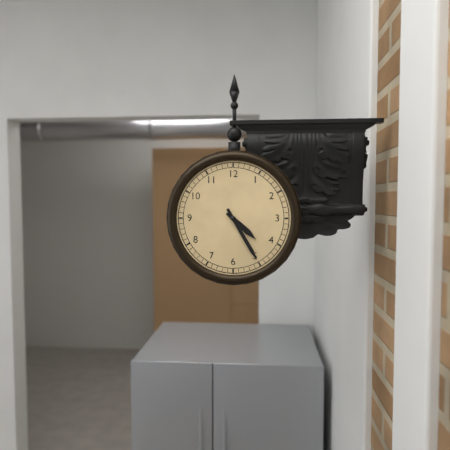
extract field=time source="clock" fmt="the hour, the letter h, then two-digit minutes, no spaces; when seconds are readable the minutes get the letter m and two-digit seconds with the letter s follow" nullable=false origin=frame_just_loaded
4h25
